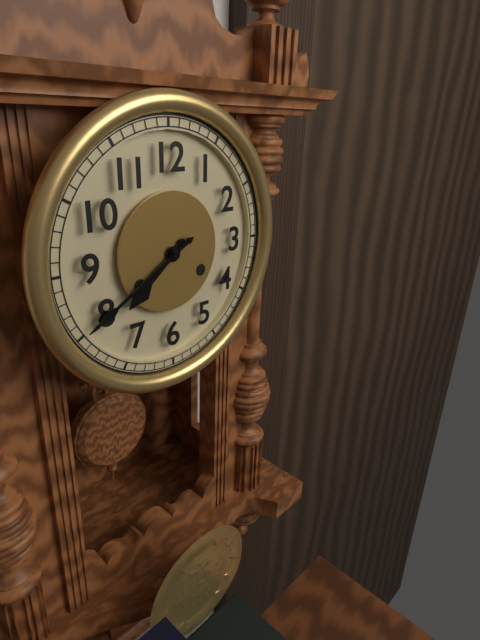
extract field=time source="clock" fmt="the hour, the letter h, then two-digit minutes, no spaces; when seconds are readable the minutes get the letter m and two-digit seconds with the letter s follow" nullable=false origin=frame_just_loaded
7h40
